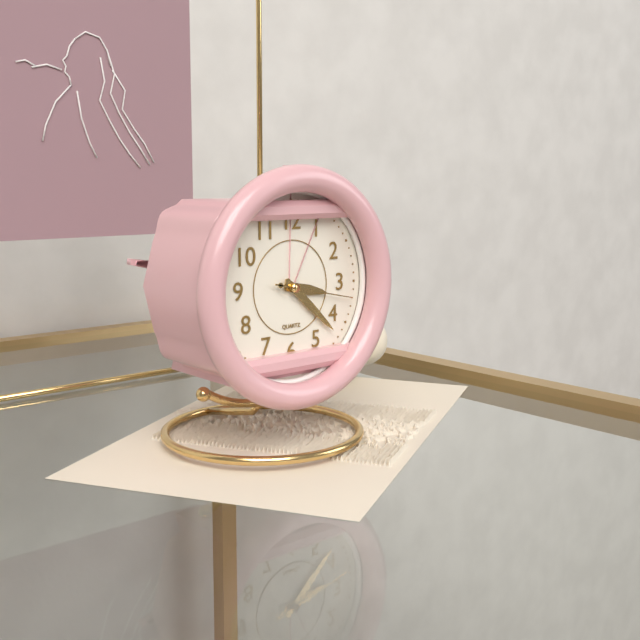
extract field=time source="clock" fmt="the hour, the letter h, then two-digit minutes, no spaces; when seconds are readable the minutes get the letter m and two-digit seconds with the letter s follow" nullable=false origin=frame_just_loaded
3h22m17s
